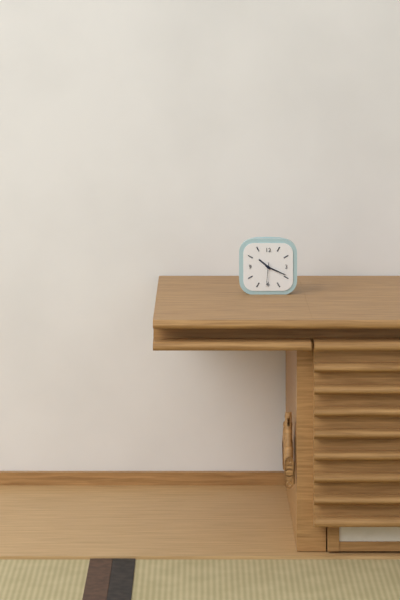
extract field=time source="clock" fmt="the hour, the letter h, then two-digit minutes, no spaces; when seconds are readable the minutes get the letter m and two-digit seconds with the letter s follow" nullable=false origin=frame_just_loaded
10h19
